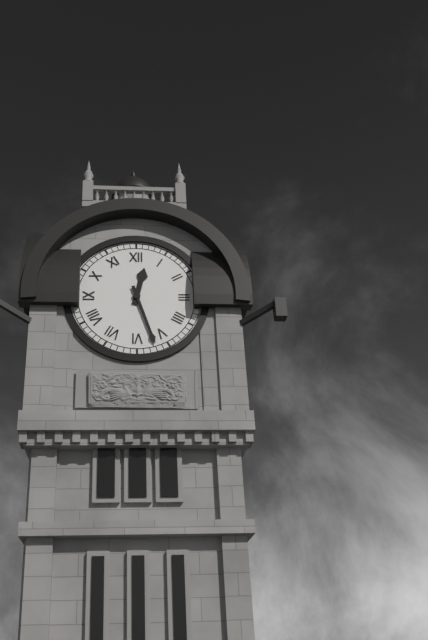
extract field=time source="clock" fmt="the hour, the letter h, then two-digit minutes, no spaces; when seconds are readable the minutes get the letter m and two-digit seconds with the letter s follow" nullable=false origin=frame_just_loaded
12h27
